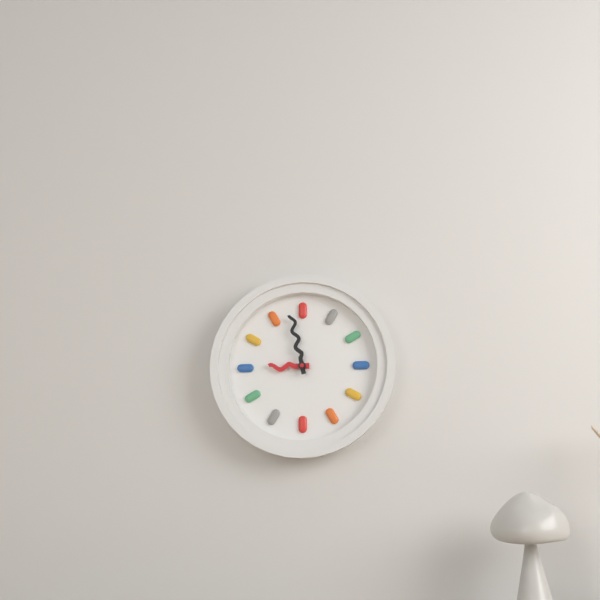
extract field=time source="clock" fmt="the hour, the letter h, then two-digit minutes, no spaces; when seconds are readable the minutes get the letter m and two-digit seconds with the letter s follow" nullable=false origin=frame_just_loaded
8h58
